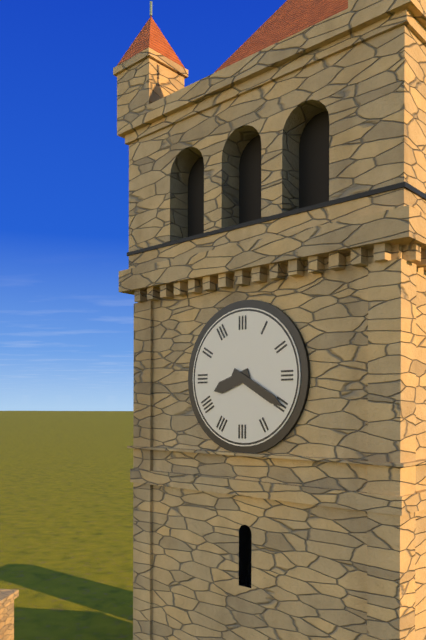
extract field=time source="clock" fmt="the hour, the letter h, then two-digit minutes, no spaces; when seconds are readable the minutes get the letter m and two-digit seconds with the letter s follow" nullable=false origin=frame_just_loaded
8h20
